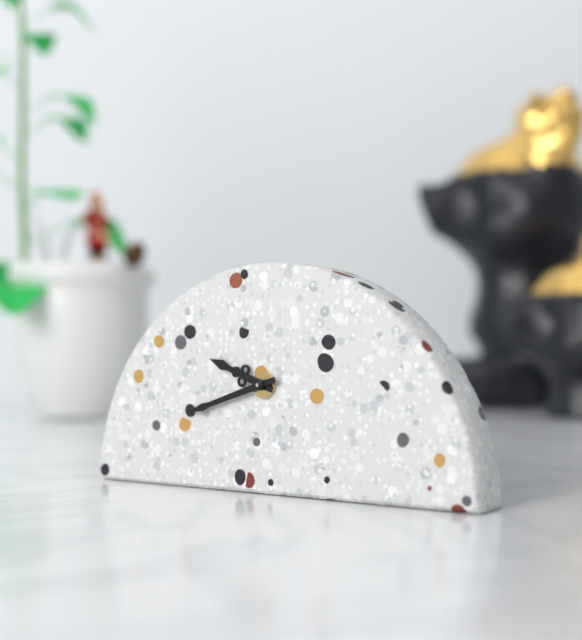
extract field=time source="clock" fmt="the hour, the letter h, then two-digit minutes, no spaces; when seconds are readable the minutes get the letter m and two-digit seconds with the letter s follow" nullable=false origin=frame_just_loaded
9h42
